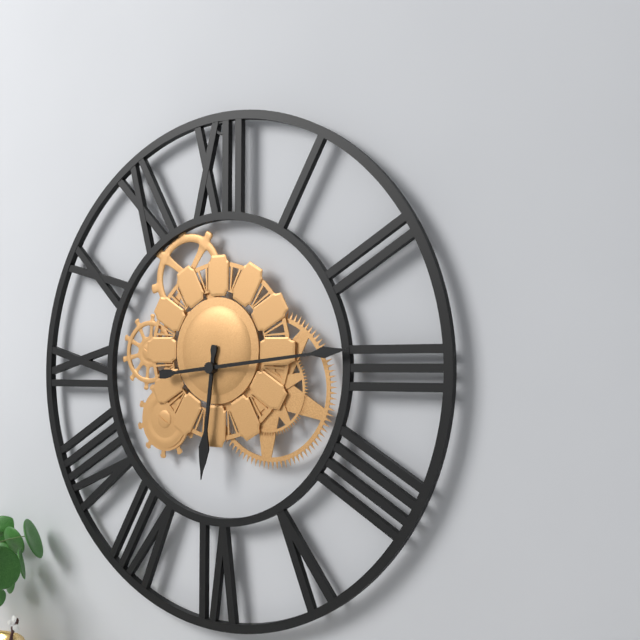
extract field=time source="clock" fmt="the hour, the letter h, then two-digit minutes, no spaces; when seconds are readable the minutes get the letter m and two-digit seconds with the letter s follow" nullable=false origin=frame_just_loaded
6h14
